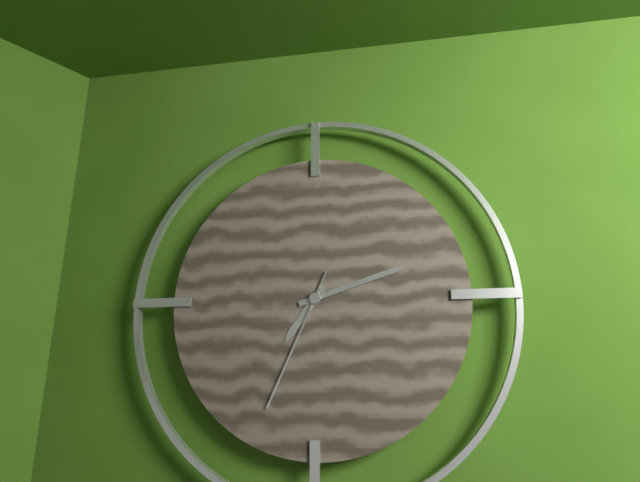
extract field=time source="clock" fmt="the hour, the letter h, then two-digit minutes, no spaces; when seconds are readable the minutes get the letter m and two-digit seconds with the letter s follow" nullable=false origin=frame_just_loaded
7h12m34s
